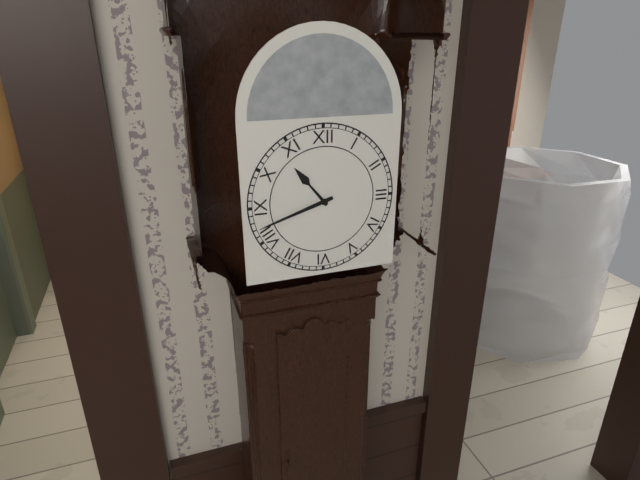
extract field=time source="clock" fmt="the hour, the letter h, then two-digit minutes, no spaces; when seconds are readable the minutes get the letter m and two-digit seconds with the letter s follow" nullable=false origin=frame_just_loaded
10h42
